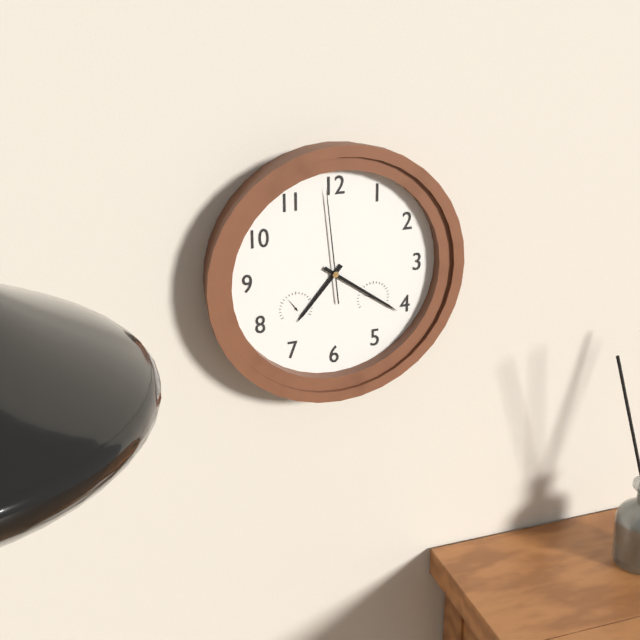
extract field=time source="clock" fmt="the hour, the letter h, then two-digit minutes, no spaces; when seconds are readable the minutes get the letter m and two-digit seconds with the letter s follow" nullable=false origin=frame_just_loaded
7h21m59s
